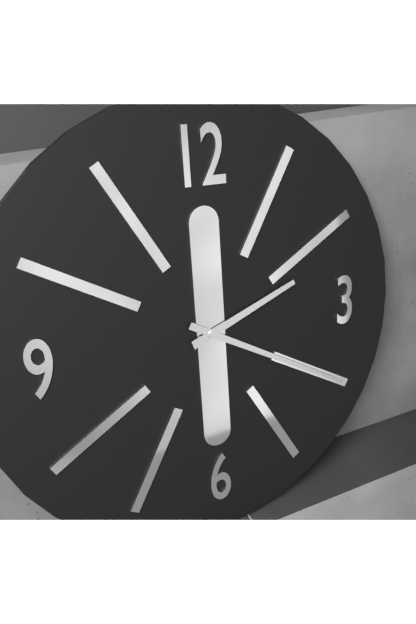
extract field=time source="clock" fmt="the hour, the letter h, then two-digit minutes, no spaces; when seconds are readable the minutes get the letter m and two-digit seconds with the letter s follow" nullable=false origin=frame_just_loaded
2h20
